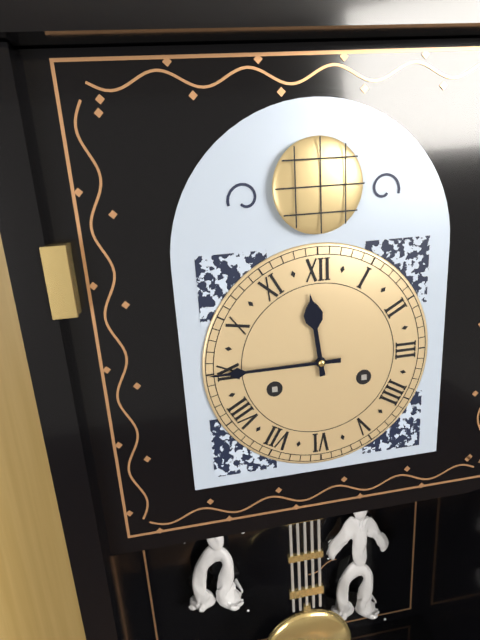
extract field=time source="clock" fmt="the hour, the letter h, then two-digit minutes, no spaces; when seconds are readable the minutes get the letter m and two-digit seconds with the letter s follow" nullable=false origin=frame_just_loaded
11h45
